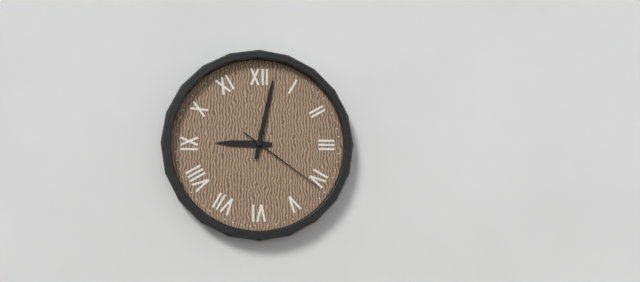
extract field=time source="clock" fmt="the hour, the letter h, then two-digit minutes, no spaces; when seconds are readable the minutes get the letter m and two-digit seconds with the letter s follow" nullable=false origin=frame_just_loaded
9h02m21s
